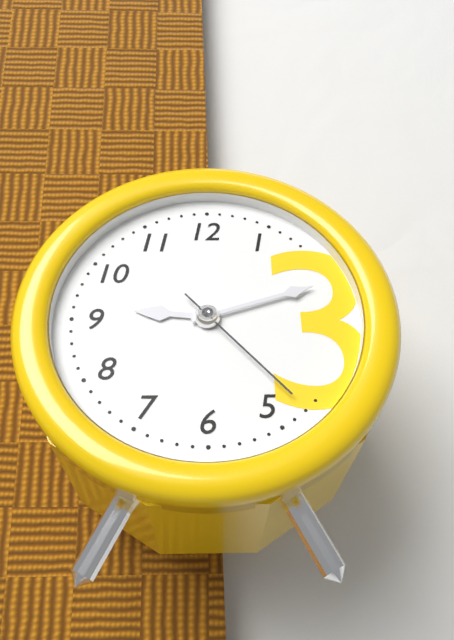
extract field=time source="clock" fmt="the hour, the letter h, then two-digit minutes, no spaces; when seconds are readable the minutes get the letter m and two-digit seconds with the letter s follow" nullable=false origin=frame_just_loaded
9h12m23s
